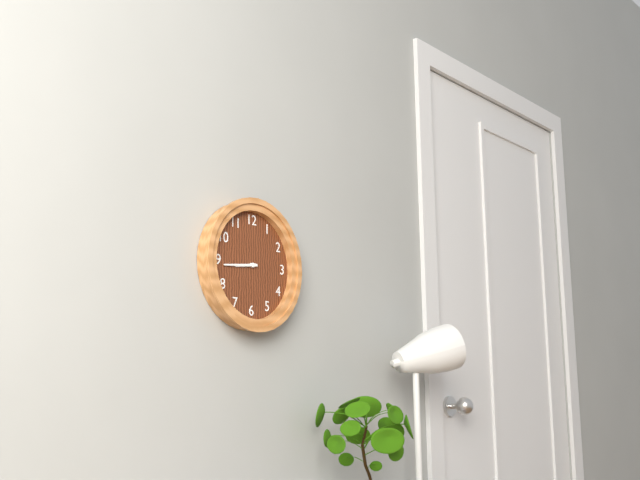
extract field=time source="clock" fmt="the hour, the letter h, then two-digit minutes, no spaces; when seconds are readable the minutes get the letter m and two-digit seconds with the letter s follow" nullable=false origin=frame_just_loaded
8h44
